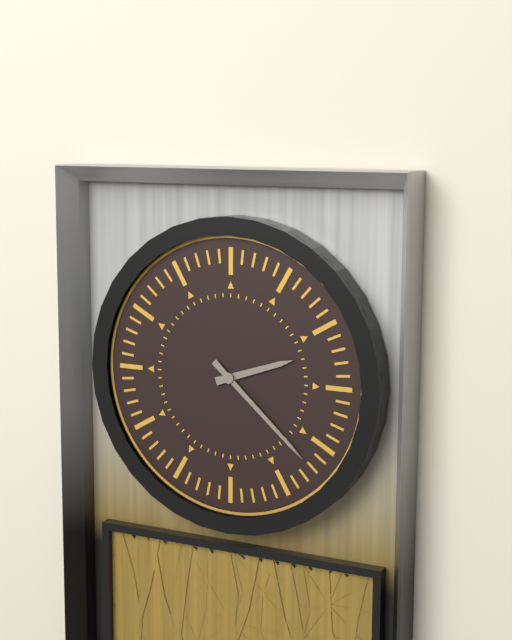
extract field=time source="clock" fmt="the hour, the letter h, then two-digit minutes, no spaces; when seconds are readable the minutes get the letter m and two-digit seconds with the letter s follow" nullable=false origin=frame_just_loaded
2h22
